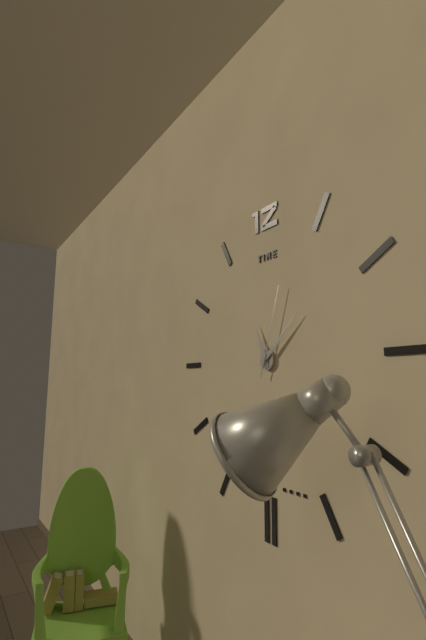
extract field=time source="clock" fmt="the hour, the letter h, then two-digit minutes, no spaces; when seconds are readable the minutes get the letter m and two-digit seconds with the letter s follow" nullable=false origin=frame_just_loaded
11h08m03s
